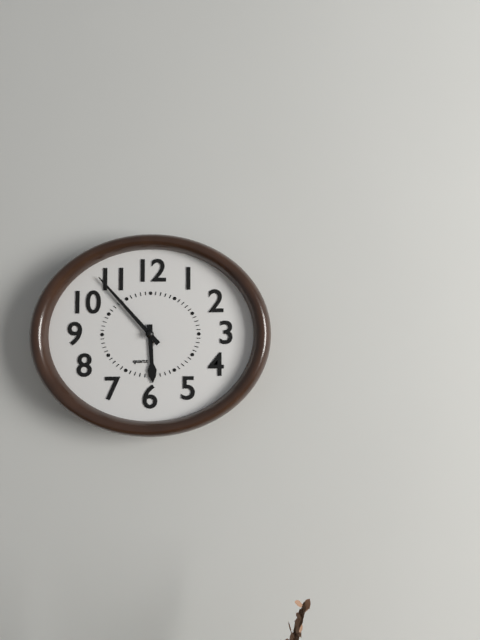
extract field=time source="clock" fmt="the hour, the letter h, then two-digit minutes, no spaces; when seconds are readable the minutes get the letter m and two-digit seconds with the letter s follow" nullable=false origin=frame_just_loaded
5h53
